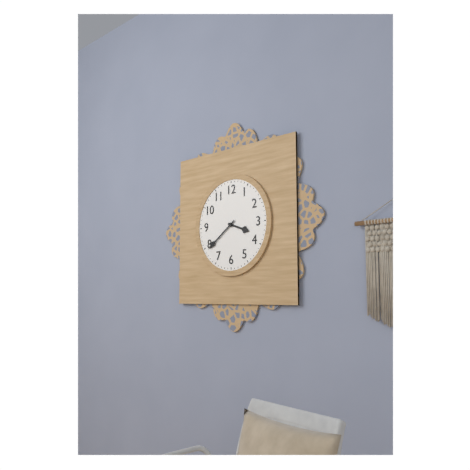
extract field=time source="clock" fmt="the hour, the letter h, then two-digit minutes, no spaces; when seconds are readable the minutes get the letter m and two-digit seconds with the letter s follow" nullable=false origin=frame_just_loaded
3h39
